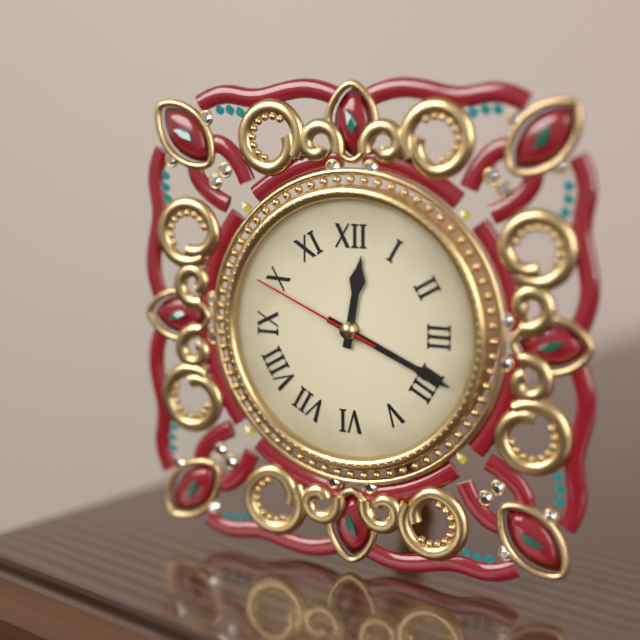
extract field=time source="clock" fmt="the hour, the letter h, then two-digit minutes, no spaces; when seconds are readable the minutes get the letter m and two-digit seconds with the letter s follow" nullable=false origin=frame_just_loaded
12h19m49s
